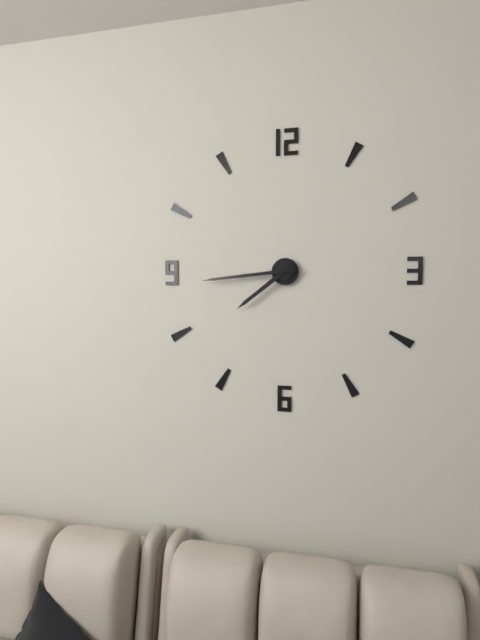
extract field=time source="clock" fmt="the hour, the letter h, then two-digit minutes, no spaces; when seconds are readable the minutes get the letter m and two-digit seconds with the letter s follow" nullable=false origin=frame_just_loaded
7h44
